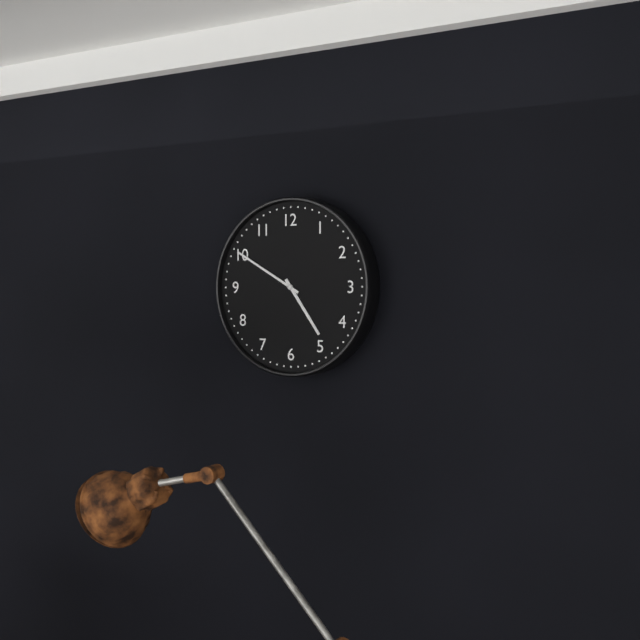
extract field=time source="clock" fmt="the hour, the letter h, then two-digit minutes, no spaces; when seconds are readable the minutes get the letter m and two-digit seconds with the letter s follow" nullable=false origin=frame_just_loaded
4h50
